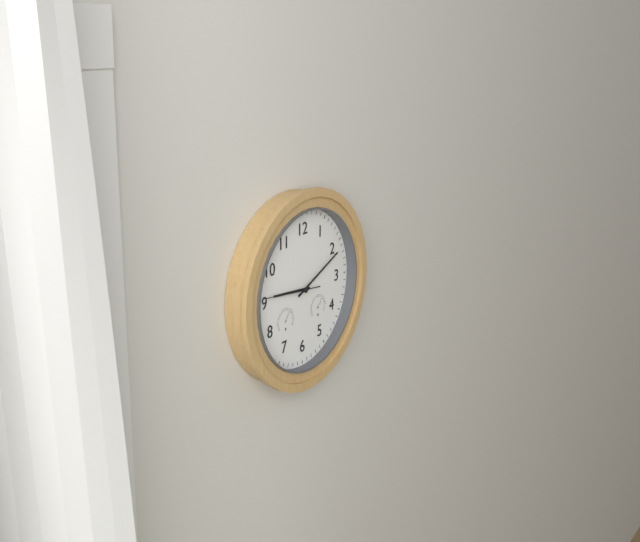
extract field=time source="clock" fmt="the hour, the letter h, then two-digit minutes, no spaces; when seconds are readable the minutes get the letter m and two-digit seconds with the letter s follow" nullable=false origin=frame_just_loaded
9h11
